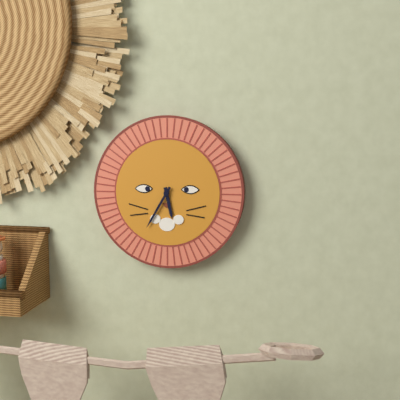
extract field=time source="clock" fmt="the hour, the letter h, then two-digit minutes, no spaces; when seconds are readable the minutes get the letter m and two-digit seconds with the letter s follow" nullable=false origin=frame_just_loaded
5h35
